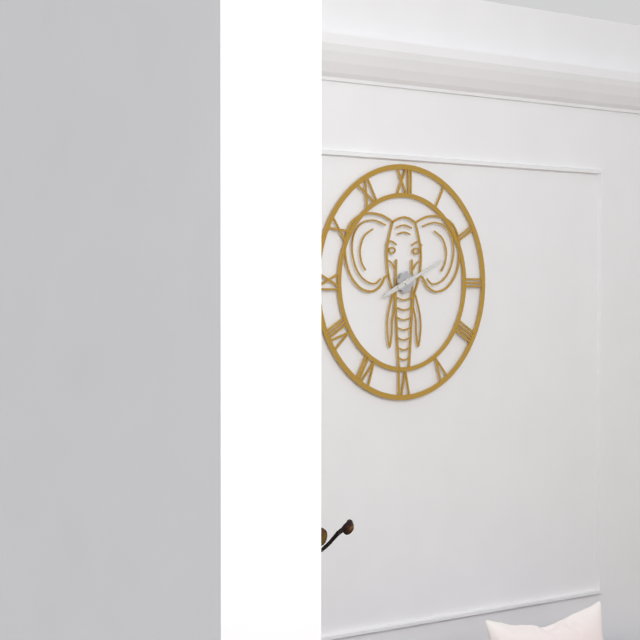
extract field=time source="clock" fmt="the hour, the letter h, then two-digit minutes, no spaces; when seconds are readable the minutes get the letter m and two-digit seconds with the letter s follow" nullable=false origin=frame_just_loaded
8h11
